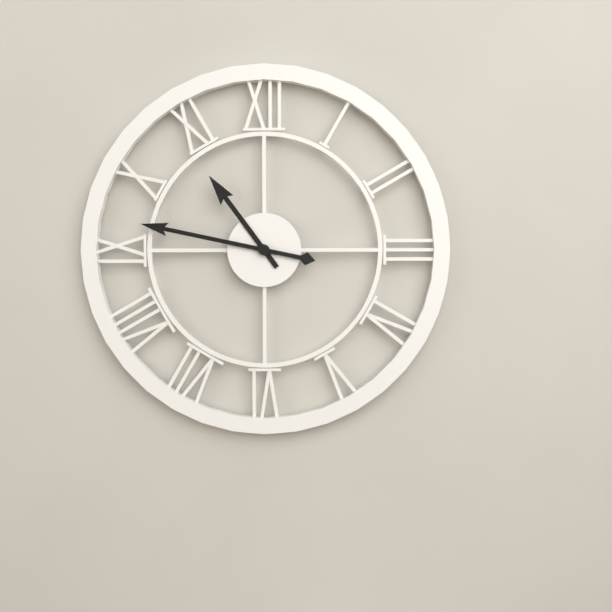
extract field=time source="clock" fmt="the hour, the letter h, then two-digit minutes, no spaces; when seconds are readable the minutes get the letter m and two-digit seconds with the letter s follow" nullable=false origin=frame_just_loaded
10h47
